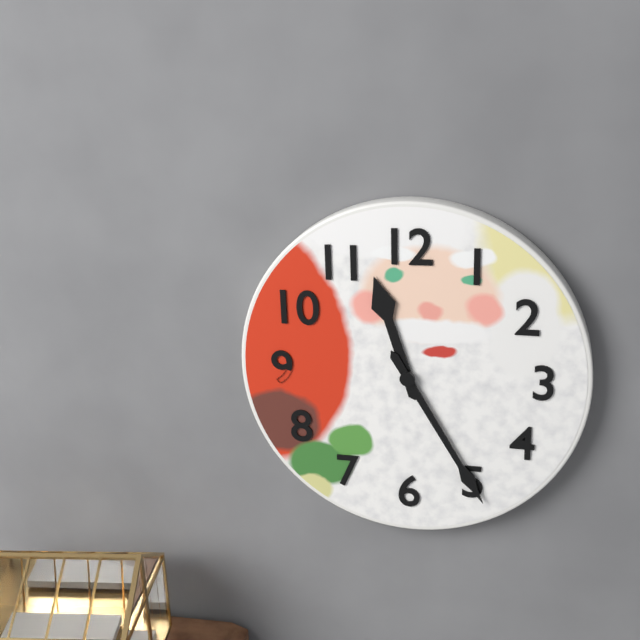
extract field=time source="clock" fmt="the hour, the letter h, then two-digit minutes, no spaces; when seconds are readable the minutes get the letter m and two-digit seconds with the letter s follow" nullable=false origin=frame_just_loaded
11h25
